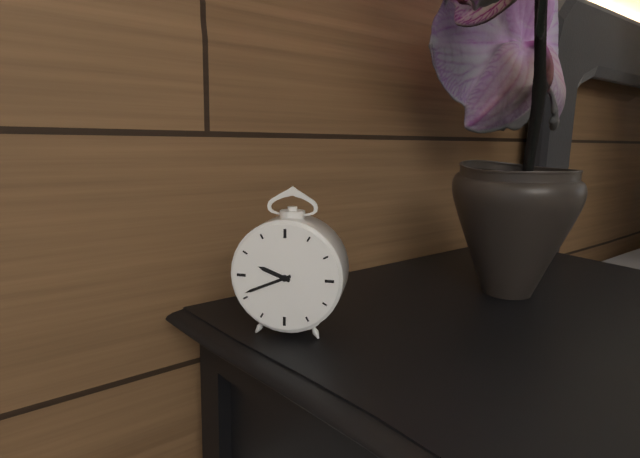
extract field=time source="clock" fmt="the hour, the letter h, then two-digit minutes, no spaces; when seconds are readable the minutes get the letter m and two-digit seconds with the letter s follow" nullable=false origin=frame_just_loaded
9h41
